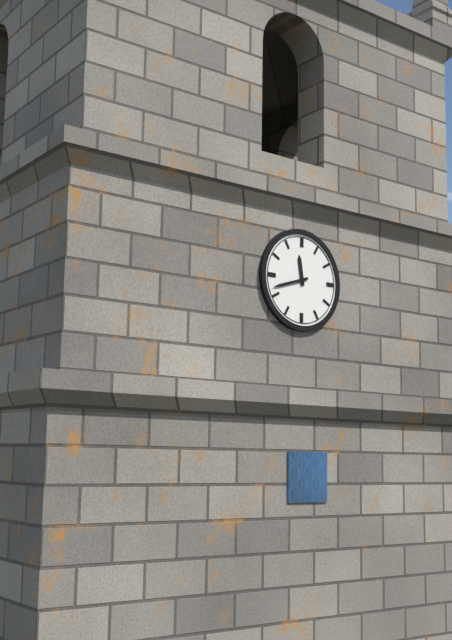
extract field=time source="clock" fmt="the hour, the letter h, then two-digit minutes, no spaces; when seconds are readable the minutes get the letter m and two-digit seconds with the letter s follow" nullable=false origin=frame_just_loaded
11h42
